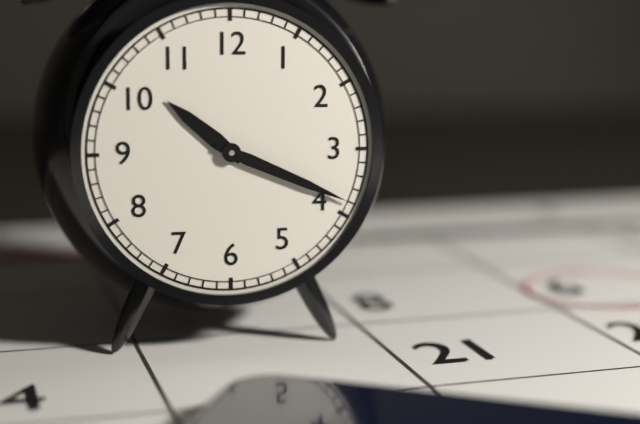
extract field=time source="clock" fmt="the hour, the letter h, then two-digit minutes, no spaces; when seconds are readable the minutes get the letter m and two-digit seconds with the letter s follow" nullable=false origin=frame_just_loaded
10h19
